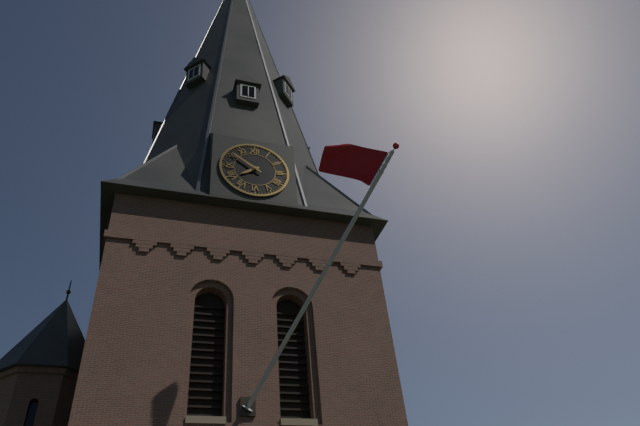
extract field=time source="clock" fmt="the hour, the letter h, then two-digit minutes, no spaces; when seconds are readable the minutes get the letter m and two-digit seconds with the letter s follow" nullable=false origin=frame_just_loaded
7h51
